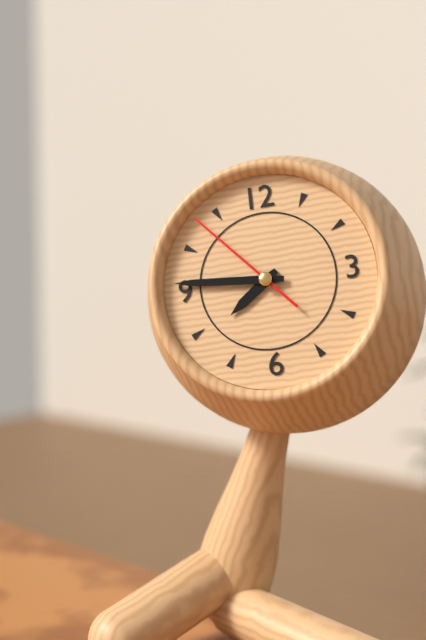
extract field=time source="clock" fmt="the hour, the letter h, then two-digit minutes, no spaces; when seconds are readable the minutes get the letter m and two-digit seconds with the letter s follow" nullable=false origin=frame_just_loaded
7h46m53s
